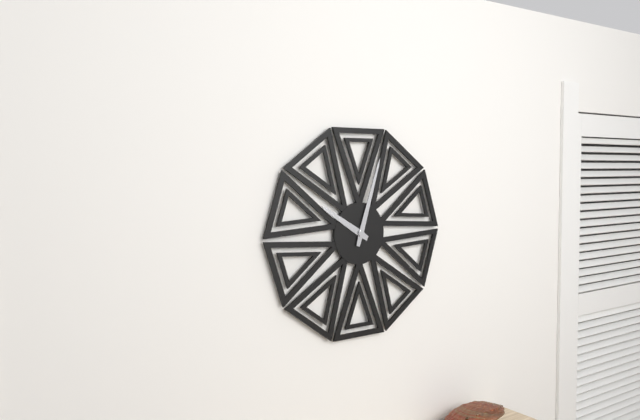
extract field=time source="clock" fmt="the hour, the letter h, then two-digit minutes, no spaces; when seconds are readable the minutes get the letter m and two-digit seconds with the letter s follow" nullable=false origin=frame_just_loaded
10h03
